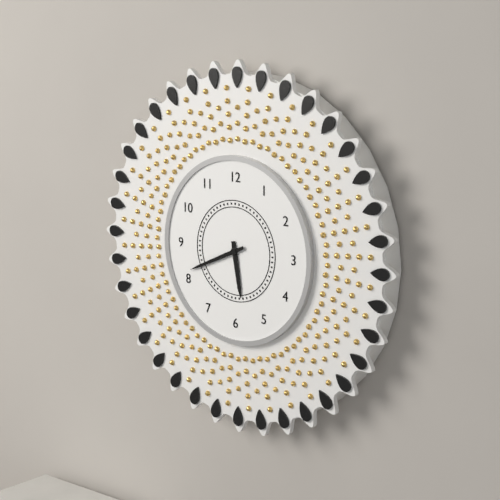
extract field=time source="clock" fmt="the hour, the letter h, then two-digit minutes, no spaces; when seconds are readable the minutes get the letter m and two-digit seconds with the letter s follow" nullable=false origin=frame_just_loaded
5h41
